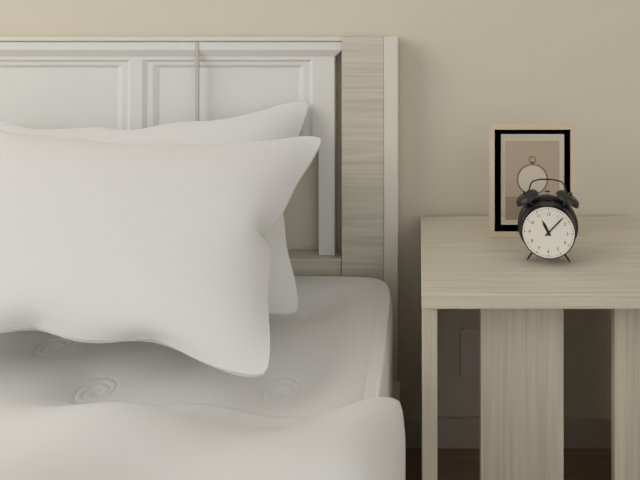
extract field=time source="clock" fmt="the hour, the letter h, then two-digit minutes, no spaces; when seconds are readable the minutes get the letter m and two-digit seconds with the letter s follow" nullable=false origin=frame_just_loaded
11h07
